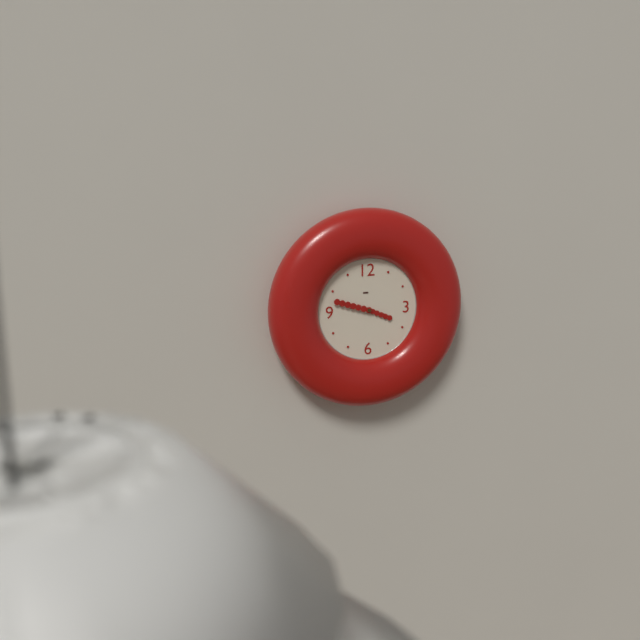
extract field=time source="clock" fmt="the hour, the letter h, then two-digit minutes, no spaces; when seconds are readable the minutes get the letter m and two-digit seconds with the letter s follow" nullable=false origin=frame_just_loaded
3h48
